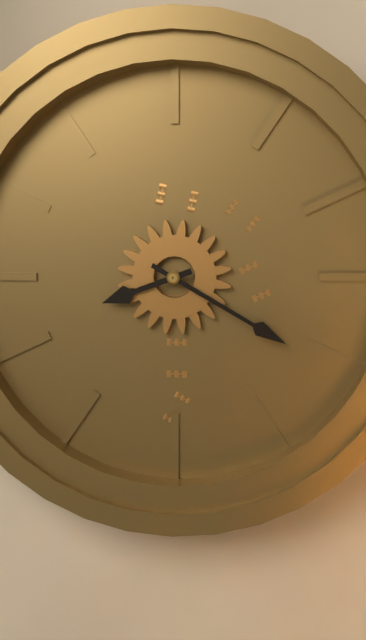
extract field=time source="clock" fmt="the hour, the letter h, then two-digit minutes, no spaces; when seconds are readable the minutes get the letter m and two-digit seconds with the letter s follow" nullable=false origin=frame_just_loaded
8h20
